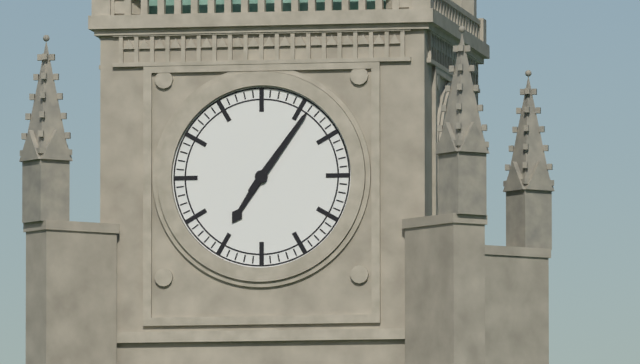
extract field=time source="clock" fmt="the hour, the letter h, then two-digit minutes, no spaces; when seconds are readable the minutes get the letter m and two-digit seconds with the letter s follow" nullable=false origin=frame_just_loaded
7h06
